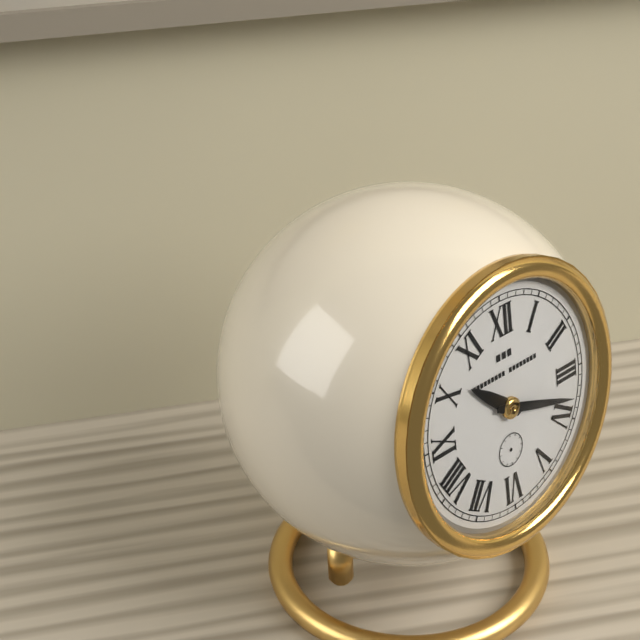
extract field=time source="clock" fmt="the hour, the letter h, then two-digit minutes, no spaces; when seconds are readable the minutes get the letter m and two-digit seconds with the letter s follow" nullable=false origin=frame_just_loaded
10h18
